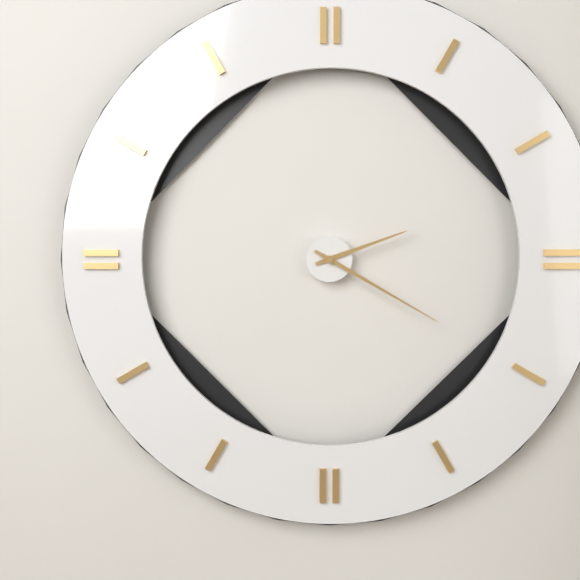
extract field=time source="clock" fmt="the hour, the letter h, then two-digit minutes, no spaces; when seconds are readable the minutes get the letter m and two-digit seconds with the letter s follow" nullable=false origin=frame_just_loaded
2h20
